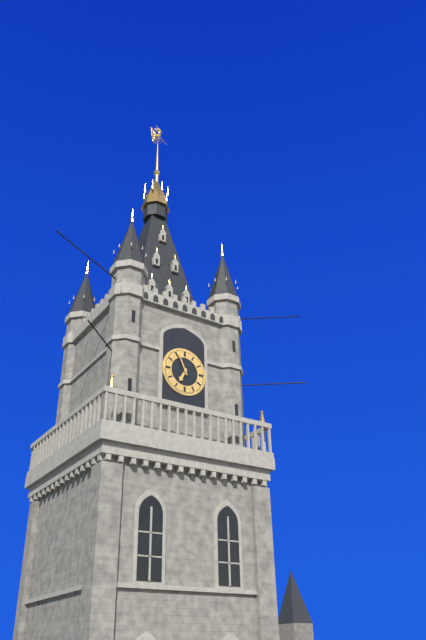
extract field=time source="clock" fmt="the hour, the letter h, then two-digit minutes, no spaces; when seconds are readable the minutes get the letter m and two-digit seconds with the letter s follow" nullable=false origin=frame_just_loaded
6h56
